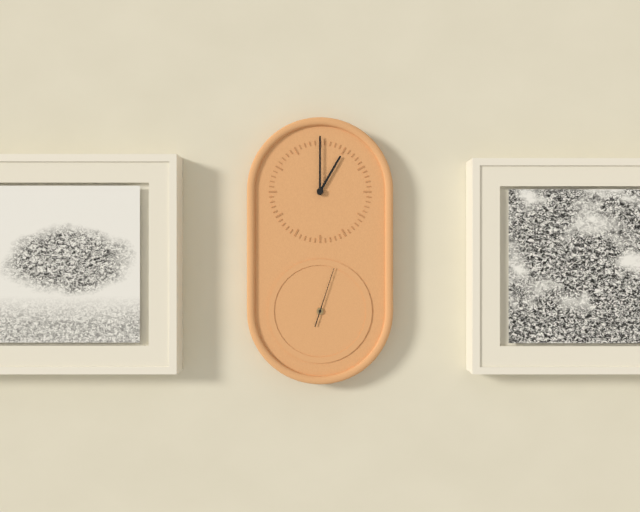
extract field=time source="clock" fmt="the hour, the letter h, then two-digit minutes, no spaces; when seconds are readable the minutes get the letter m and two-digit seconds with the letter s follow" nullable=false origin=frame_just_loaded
1h00m03s
